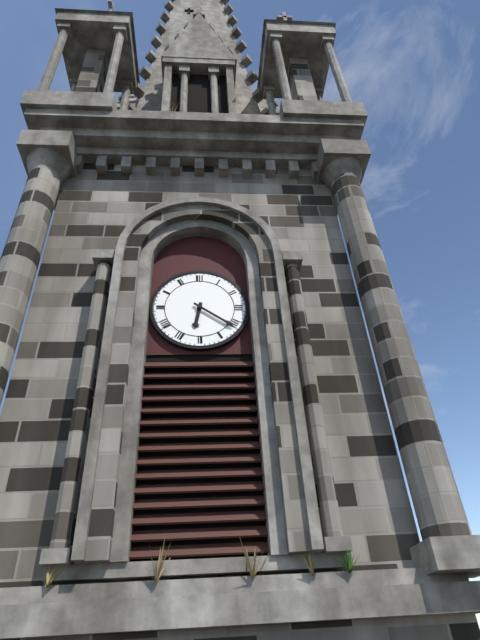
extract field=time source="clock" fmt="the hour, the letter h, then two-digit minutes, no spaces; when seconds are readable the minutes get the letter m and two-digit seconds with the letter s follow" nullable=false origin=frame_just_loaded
6h21
